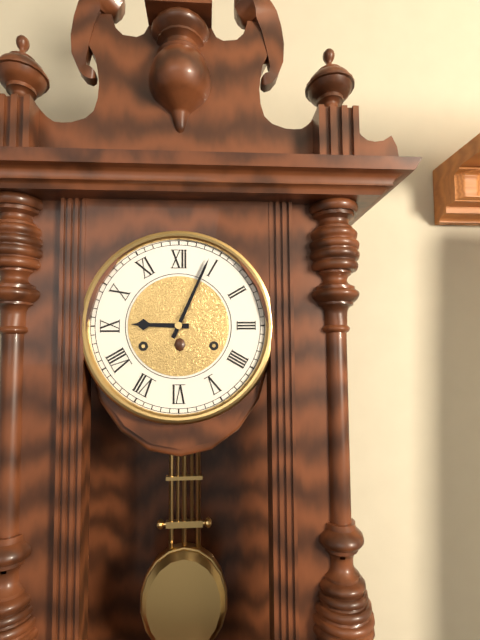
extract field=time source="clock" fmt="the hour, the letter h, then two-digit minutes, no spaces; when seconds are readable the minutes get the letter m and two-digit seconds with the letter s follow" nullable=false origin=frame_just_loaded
9h04
